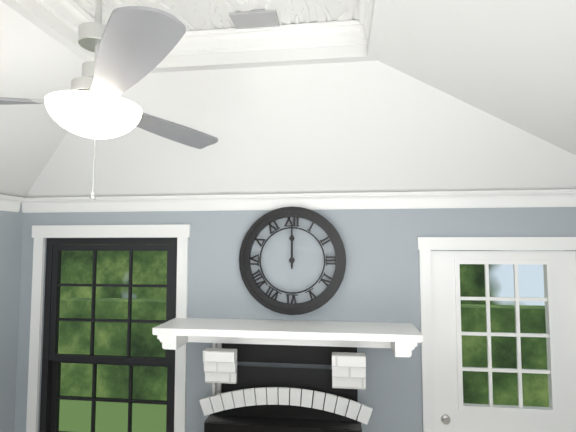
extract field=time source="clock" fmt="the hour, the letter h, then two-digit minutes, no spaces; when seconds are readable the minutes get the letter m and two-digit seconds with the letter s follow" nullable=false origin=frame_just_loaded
12h00
